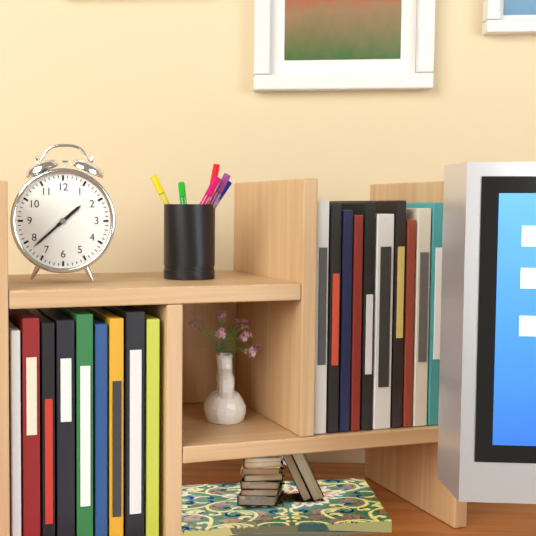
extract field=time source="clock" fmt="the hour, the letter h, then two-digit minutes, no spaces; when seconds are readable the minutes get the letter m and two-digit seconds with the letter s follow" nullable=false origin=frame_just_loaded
1h38
